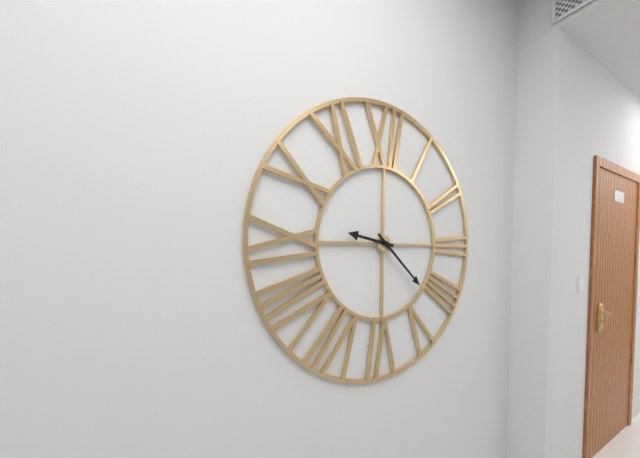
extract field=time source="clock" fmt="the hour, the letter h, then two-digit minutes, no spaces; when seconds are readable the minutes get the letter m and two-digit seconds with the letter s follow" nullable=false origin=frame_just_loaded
9h22
